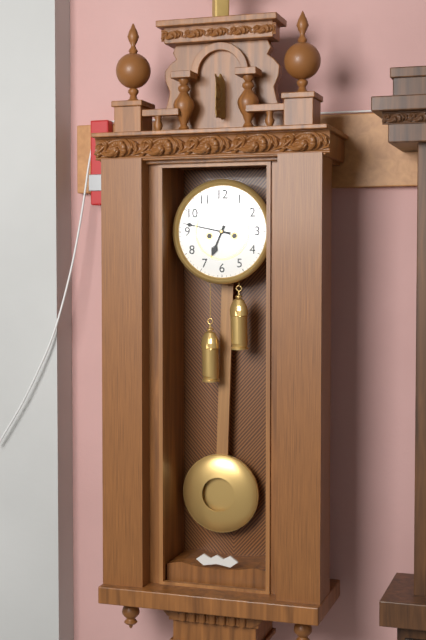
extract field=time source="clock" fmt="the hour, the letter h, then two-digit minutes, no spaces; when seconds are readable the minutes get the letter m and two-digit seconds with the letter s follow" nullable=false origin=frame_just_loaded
6h47
